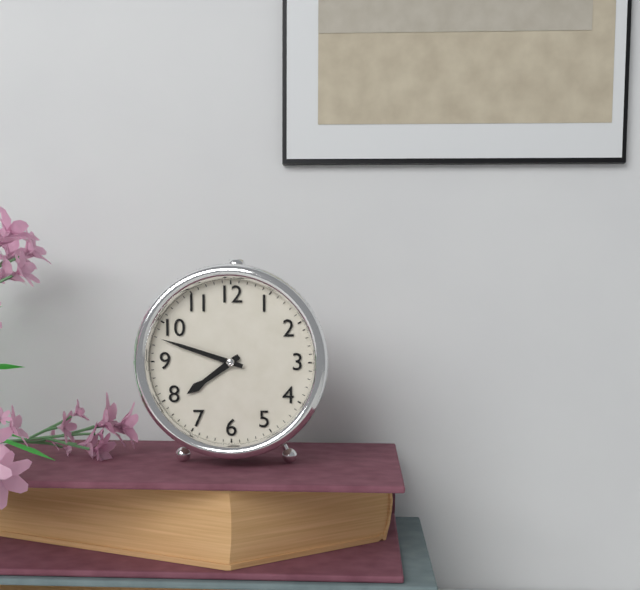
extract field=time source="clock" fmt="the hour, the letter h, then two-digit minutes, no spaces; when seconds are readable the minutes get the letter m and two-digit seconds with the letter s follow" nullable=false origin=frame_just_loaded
7h48
